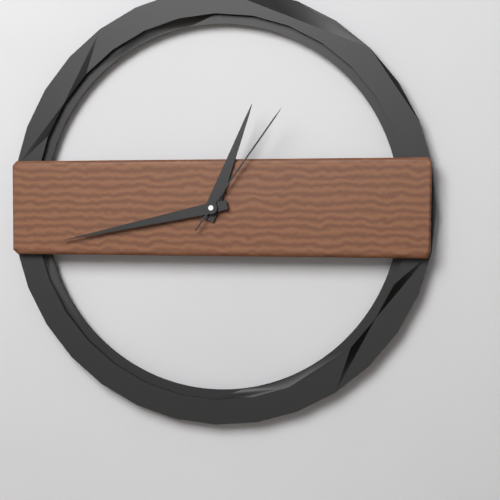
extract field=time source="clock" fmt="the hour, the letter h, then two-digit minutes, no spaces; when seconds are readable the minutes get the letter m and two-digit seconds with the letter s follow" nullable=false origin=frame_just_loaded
12h43m06s
